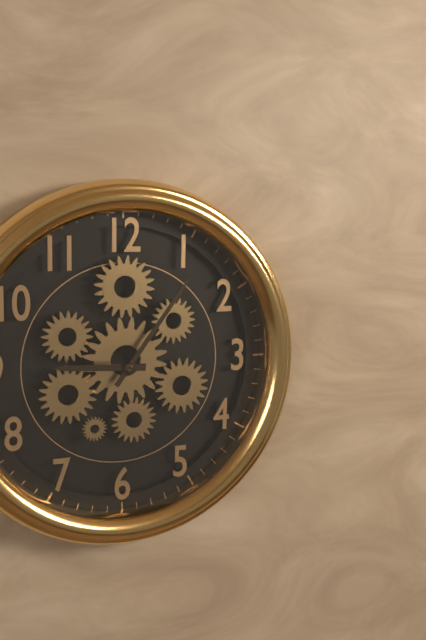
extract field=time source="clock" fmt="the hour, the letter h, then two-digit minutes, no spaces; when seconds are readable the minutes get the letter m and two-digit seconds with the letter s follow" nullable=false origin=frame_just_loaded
9h06
